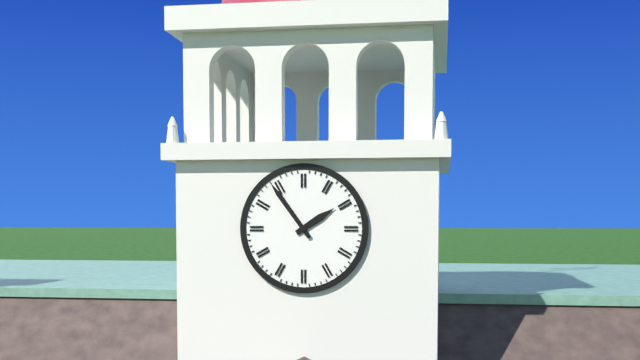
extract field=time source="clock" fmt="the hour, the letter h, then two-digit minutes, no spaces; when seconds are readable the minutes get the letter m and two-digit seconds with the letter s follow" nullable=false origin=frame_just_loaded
1h54
